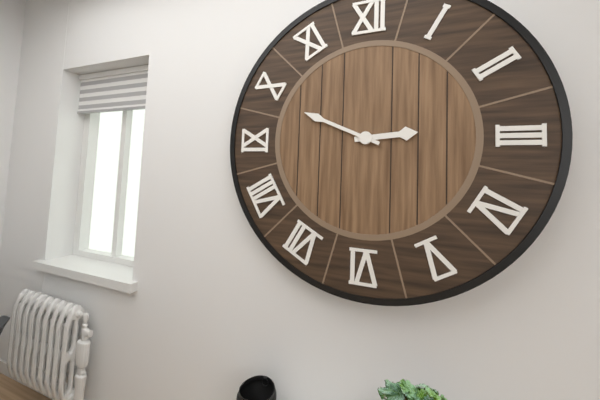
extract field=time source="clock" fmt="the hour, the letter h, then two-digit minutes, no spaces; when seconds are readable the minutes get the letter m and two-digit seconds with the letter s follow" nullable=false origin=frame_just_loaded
2h49
